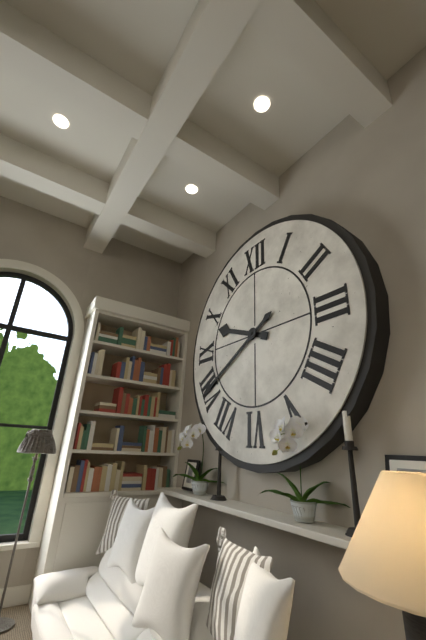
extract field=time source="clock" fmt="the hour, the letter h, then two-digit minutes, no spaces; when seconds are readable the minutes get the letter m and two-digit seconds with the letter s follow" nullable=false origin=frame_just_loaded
9h40
